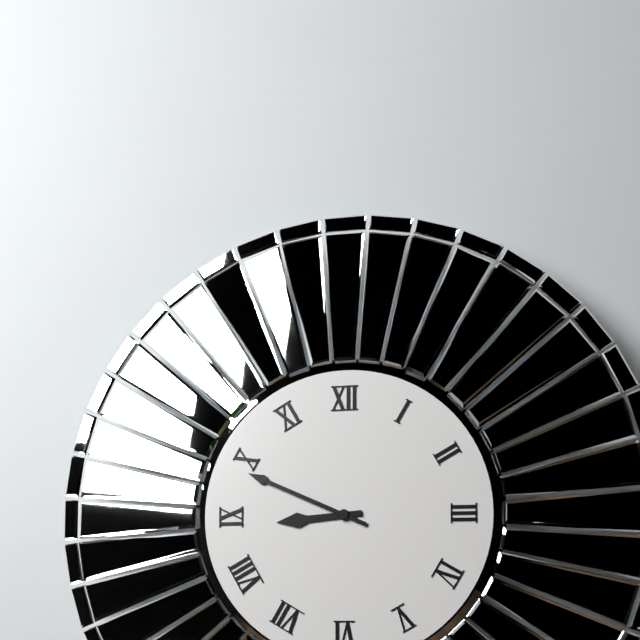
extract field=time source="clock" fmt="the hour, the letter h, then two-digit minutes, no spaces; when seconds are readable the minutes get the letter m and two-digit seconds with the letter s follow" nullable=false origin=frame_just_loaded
8h49
